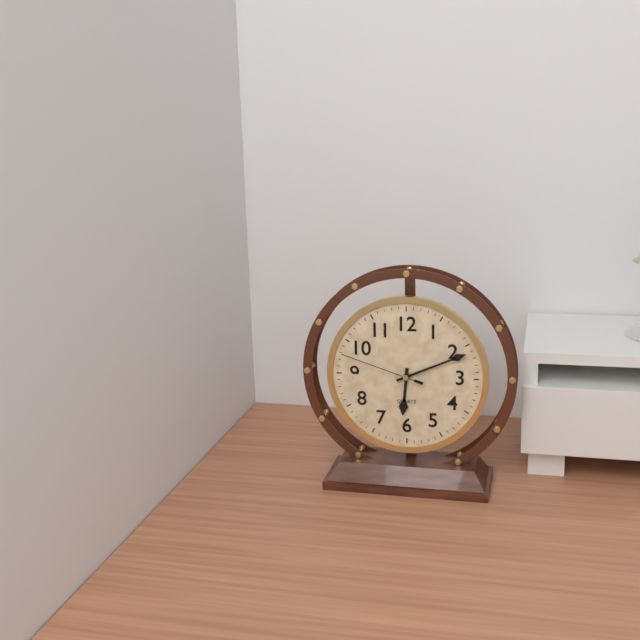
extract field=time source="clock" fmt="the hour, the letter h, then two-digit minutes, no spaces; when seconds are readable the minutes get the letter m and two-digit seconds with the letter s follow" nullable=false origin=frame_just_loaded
6h11m48s
